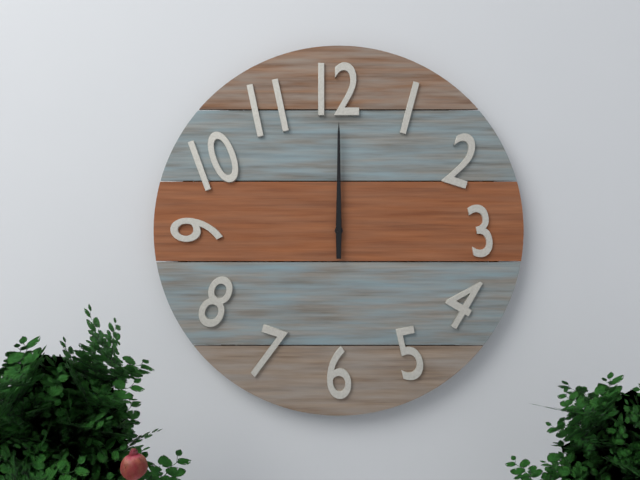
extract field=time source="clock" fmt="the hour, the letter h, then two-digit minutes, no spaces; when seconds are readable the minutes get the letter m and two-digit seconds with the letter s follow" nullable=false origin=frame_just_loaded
12h00
